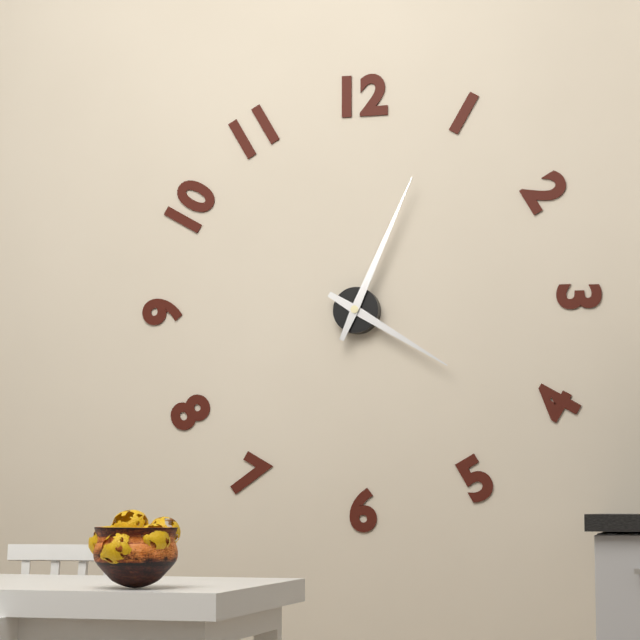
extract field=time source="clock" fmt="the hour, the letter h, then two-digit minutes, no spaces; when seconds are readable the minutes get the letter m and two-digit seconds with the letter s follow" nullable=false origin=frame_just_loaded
4h04
